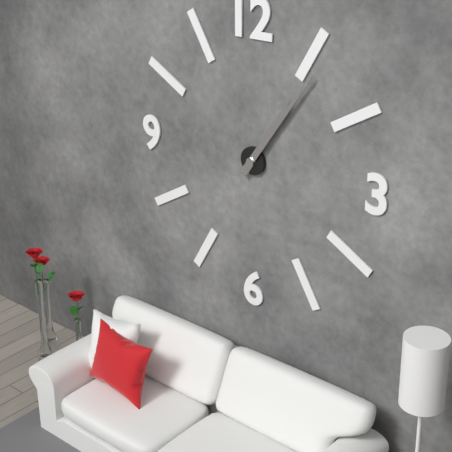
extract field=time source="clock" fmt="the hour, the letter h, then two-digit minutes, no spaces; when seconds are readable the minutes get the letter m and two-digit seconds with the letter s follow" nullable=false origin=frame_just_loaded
1h06
